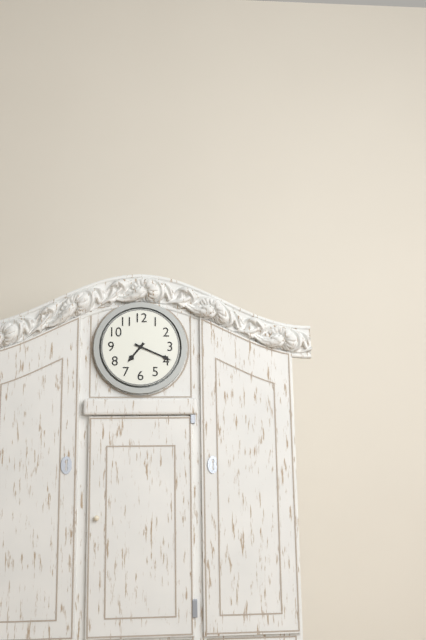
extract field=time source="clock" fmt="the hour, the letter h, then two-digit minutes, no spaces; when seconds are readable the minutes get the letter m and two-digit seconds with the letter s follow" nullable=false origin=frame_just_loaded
7h19
